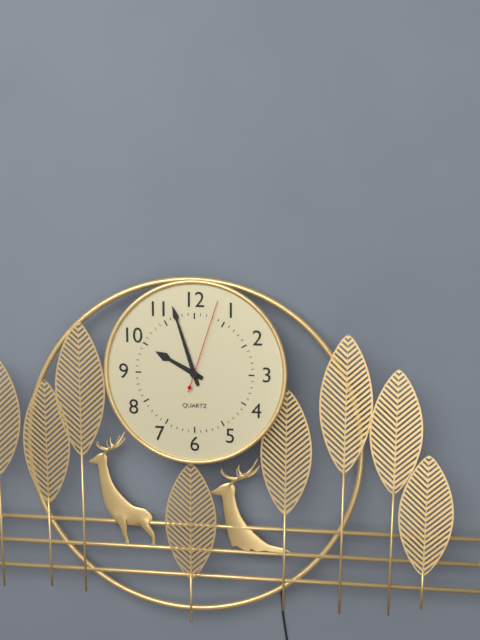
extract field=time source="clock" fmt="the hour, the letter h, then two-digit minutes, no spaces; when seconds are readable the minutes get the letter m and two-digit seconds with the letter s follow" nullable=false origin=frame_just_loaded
9h57m03s
